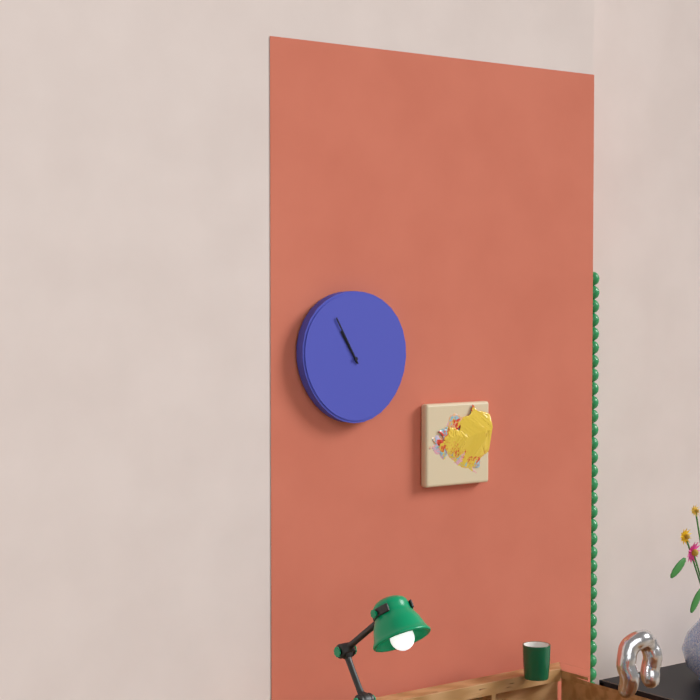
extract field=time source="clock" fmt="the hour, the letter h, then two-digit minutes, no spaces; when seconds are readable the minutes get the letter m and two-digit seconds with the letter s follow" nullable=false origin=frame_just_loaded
10h55
